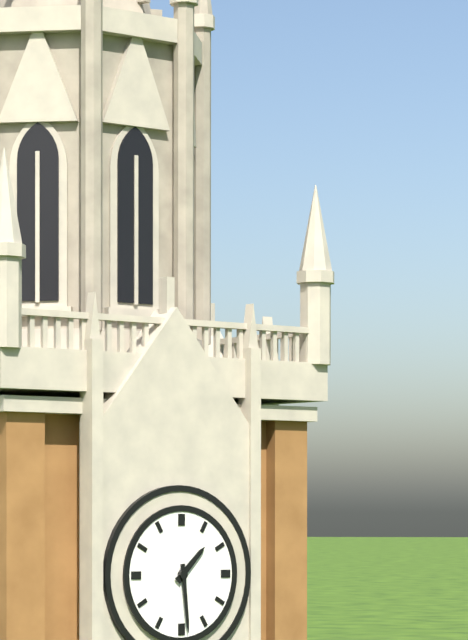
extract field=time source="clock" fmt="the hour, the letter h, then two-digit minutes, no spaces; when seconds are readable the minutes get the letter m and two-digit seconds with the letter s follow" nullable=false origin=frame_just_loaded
1h29
